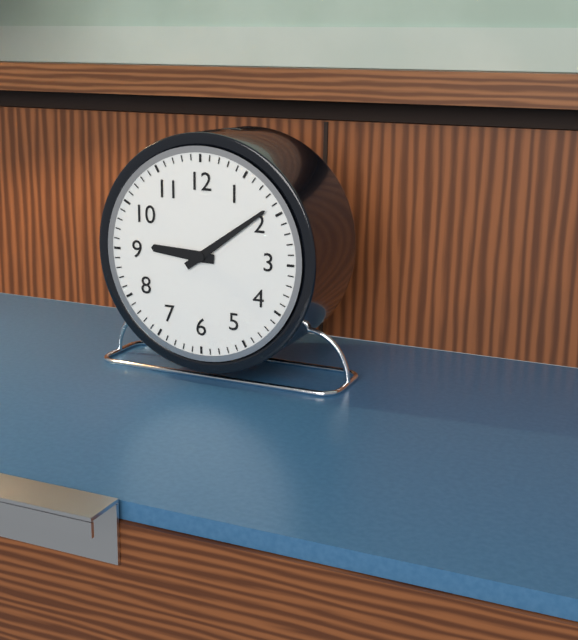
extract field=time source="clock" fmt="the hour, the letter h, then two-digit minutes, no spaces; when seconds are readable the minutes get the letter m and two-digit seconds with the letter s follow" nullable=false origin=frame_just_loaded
9h09
